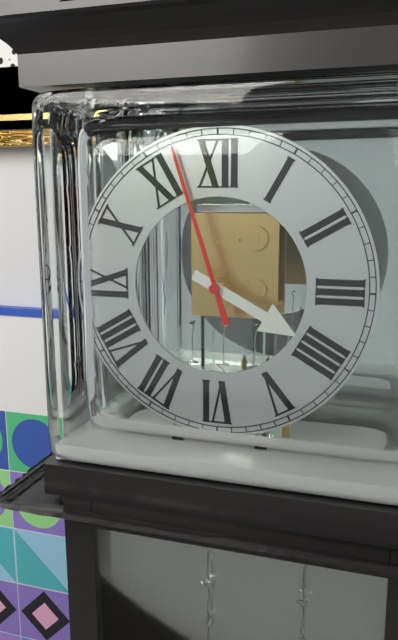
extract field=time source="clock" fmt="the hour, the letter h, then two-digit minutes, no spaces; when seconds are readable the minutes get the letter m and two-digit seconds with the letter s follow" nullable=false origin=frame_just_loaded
3h57
